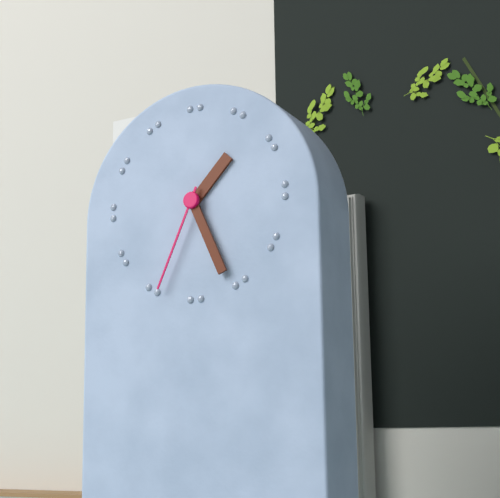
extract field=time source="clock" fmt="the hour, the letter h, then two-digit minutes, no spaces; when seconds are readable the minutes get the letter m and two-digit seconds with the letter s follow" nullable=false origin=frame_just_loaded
1h26m34s
